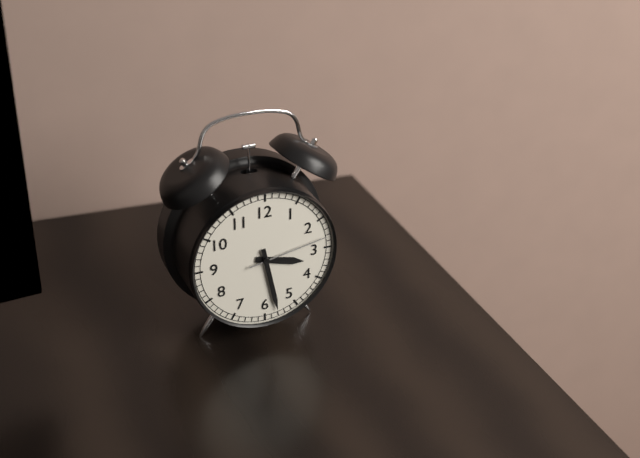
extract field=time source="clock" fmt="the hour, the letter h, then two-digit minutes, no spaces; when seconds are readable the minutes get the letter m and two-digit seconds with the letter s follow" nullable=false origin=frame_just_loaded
3h28m13s
